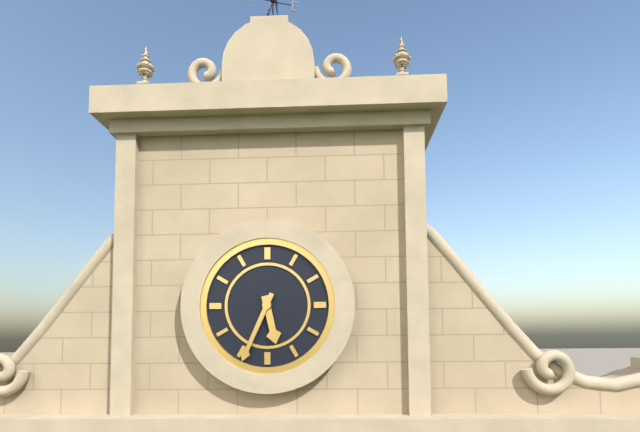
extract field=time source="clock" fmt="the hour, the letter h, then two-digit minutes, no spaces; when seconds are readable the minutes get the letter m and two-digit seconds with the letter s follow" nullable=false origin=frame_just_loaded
5h34
